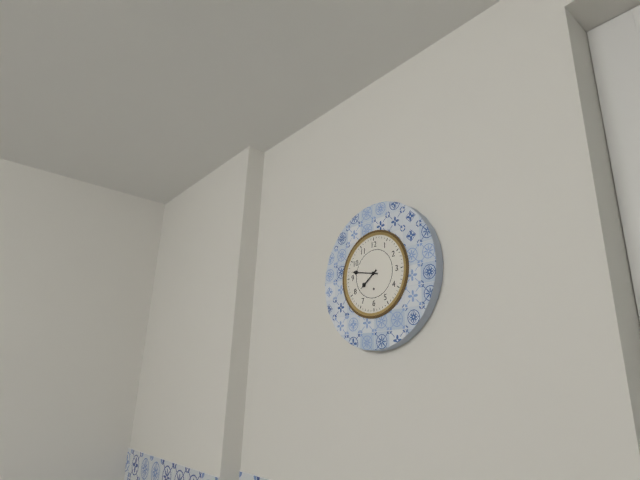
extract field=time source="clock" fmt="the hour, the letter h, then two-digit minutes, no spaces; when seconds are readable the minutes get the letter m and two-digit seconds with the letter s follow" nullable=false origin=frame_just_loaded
7h47
